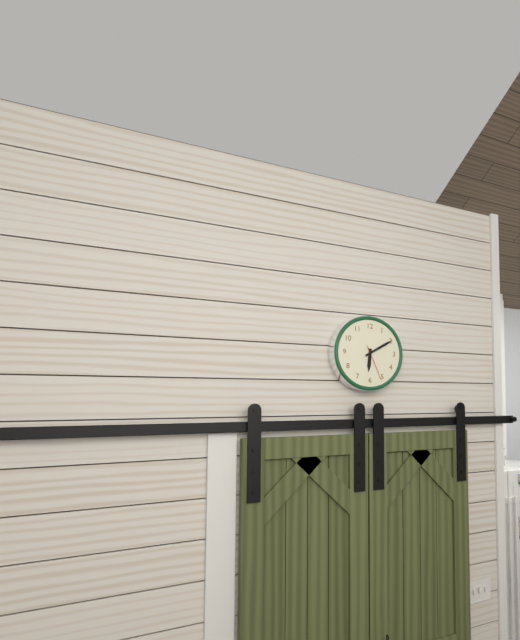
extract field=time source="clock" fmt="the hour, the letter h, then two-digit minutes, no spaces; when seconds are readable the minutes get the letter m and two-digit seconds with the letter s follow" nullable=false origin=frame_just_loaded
6h10
